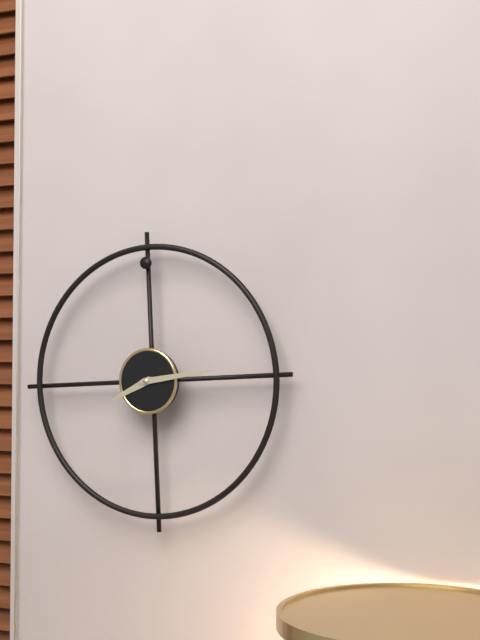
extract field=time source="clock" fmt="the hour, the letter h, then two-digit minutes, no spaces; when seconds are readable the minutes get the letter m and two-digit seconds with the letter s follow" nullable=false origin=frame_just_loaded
8h14
